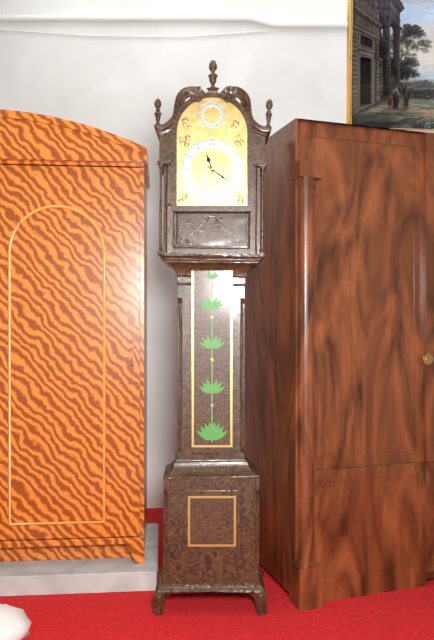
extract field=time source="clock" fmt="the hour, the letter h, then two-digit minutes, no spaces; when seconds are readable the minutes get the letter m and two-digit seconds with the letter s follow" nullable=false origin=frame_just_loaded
11h21
